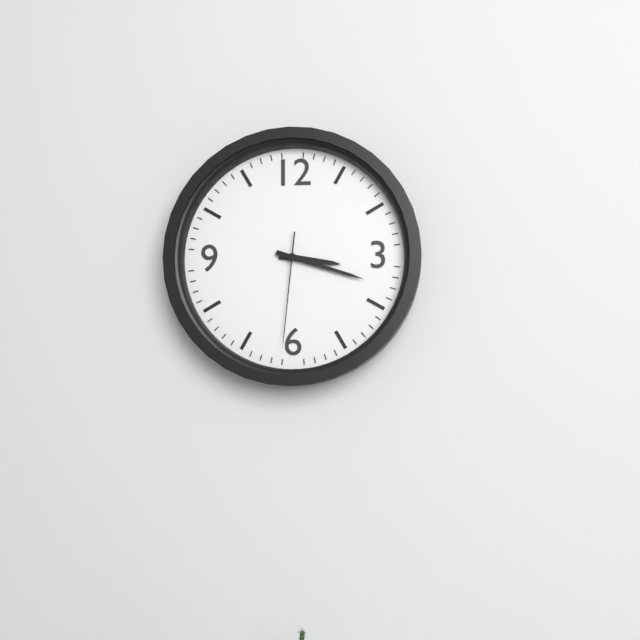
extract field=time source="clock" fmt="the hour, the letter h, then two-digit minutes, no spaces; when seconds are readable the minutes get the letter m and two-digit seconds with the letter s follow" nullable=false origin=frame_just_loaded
3h18m31s
